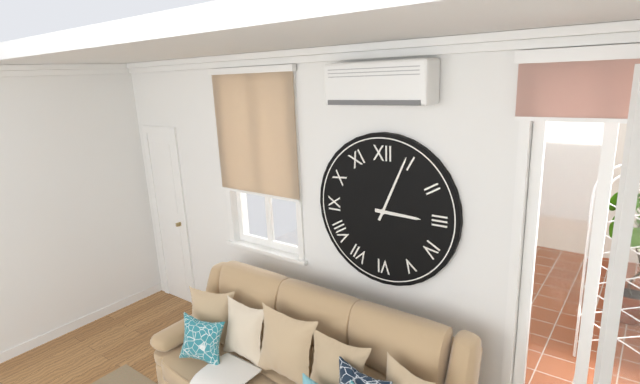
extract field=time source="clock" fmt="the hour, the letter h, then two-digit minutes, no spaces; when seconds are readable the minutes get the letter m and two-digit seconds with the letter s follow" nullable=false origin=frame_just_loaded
3h04
